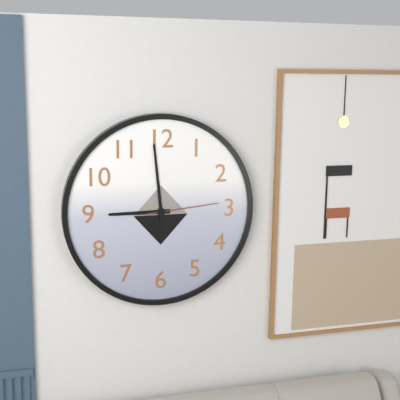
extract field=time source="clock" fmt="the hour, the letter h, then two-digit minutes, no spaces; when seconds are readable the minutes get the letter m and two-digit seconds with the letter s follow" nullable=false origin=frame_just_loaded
8h59m14s
